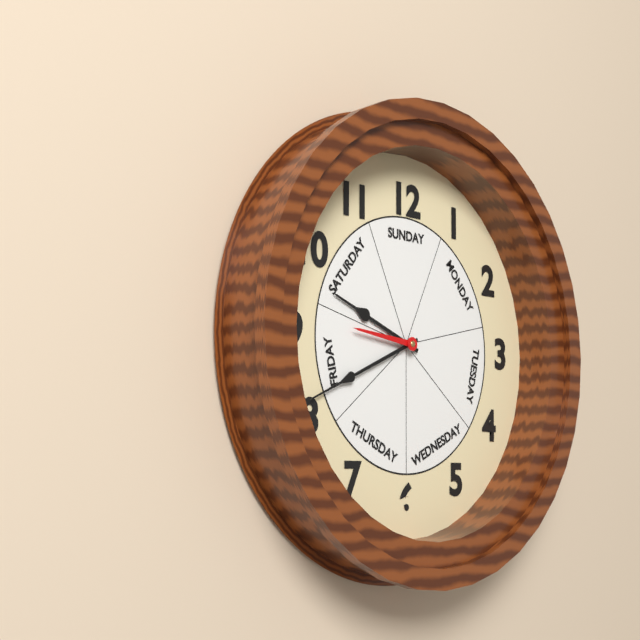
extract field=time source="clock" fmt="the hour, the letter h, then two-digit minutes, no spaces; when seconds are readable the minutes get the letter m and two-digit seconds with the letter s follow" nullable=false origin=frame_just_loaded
9h41m46s
